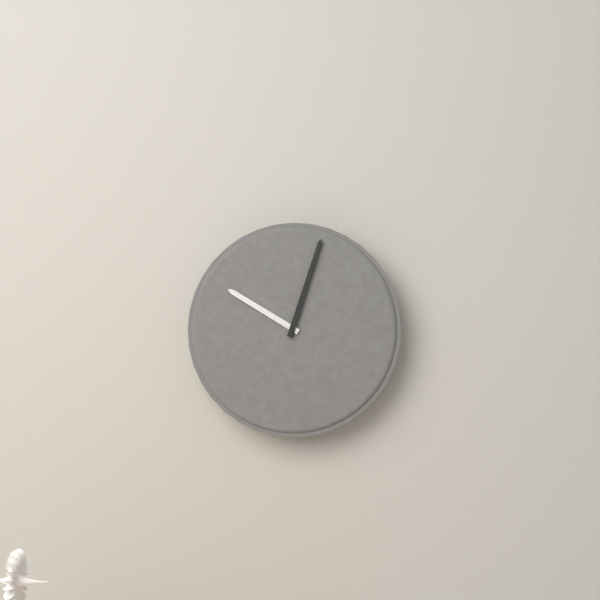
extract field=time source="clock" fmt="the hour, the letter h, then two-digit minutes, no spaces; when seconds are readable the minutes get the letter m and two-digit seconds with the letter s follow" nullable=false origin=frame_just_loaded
10h03
